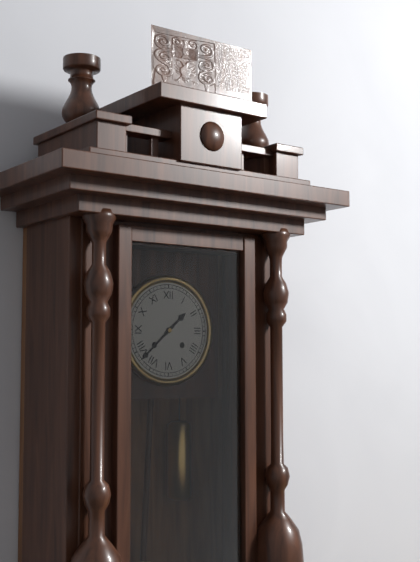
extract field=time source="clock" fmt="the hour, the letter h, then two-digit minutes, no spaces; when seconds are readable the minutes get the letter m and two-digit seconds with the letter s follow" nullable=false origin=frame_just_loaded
1h38
